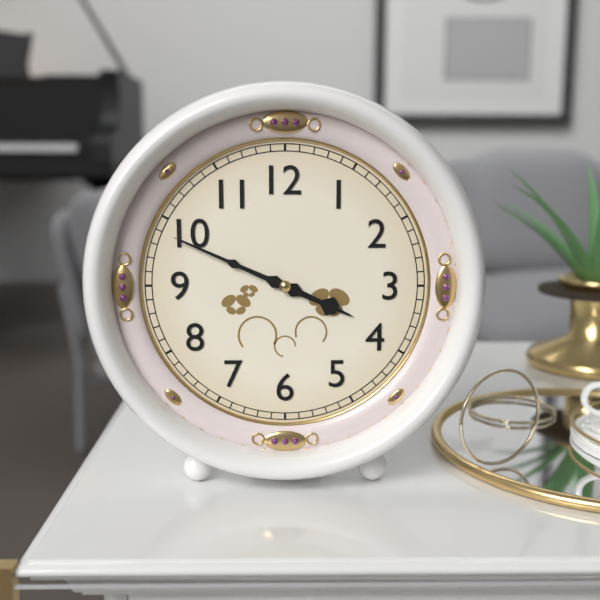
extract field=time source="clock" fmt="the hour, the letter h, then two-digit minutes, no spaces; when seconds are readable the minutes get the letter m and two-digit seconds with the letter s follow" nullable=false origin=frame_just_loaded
3h49
